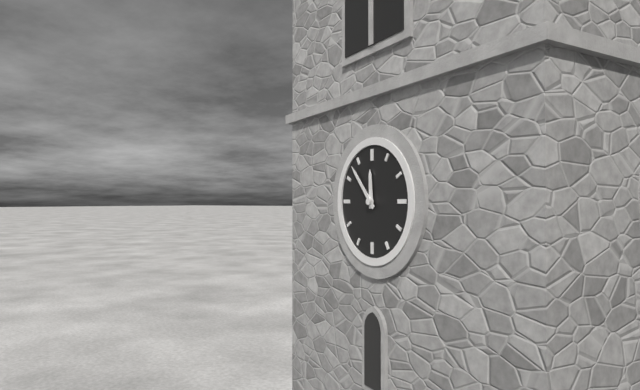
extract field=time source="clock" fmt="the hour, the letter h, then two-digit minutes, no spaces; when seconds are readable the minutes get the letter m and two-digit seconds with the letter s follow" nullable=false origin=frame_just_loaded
11h53
